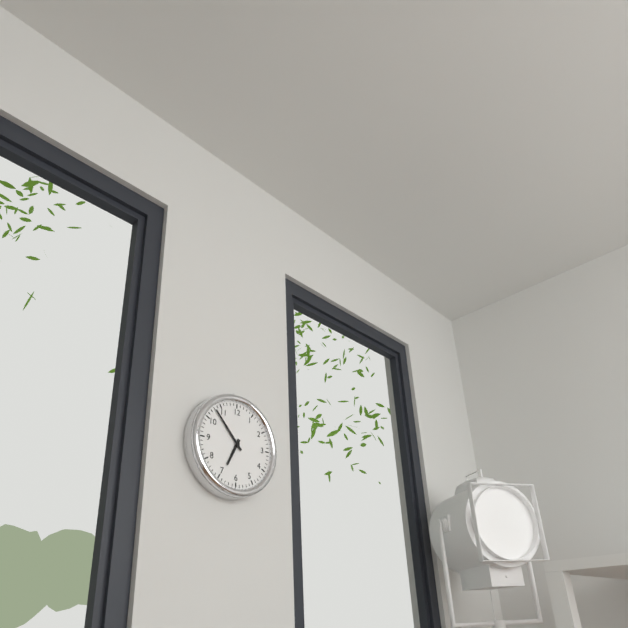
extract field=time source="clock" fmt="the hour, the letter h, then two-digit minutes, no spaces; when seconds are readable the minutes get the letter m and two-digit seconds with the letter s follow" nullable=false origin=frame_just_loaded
6h53
